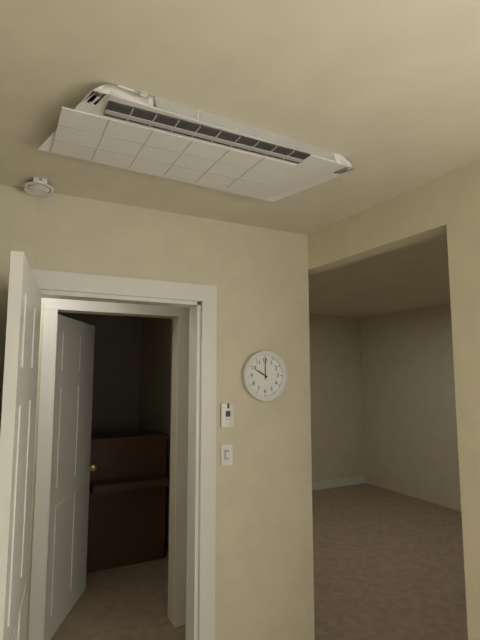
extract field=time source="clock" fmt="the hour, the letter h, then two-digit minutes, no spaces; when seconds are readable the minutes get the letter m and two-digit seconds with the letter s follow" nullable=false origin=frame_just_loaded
10h00
